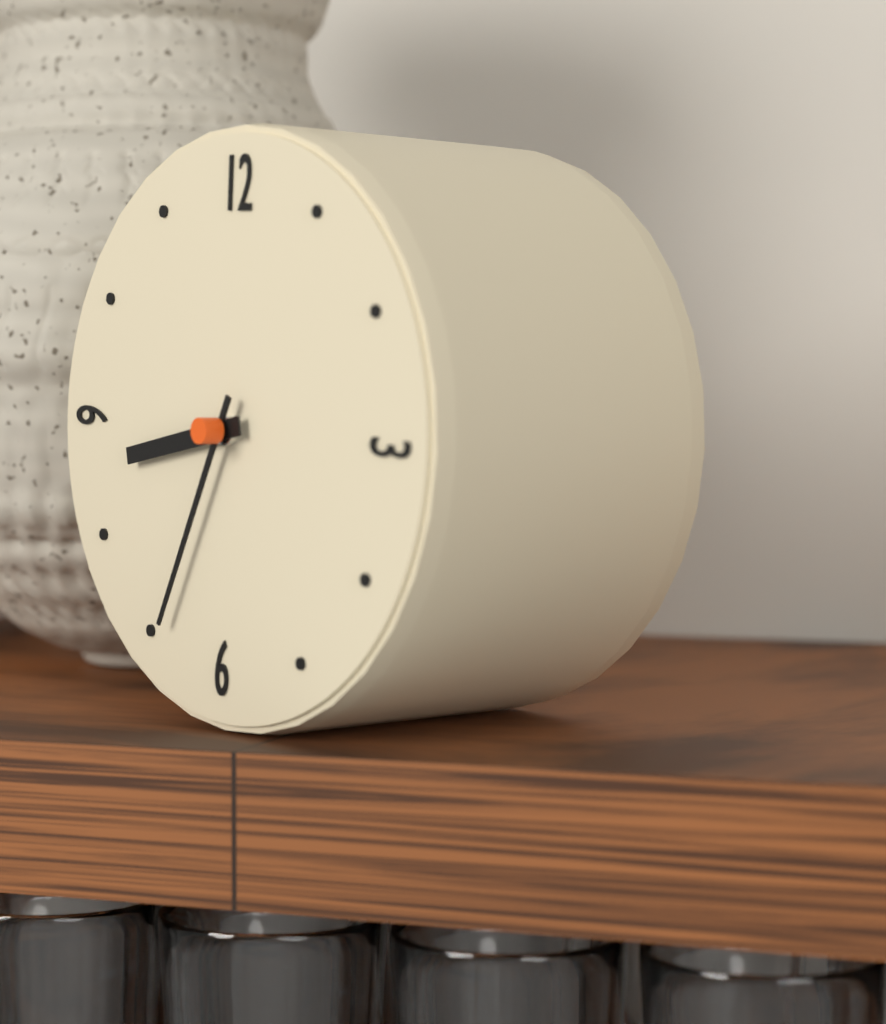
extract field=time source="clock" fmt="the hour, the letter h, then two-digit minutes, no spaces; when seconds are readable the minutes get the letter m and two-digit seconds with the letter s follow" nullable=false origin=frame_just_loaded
8h34
